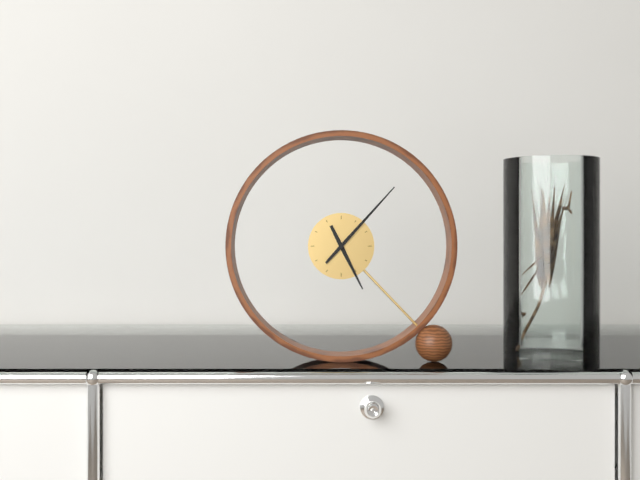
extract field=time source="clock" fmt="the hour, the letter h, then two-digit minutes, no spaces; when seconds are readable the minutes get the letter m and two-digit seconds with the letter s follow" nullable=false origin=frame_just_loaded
5h07
